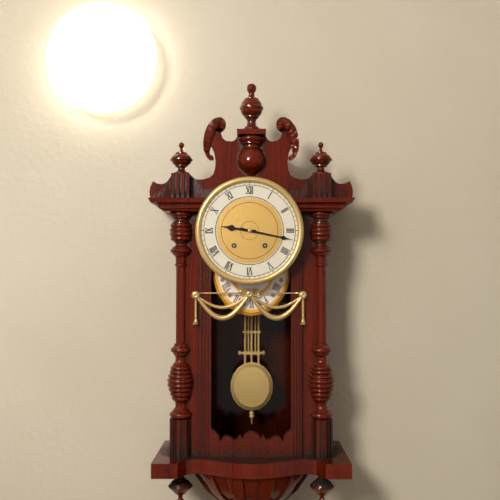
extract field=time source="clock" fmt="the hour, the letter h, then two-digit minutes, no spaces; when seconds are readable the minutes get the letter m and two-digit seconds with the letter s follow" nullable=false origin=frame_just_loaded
9h17
